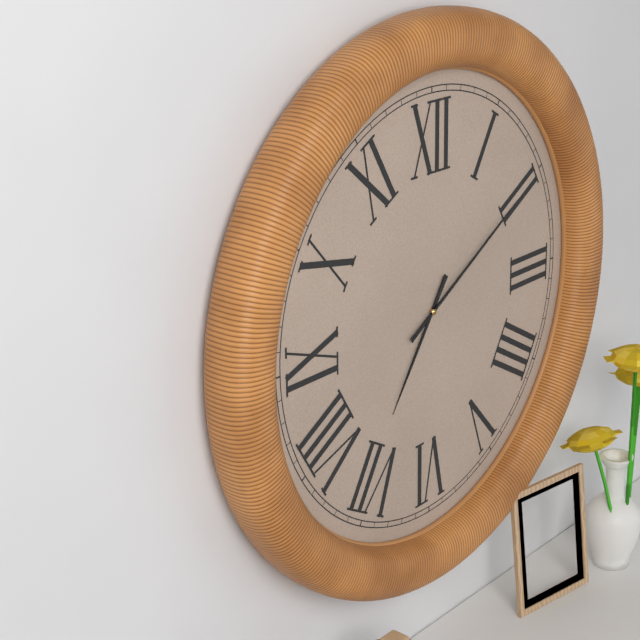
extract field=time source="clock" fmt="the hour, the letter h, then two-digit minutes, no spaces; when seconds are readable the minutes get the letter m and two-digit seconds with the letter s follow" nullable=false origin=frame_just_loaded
7h10
